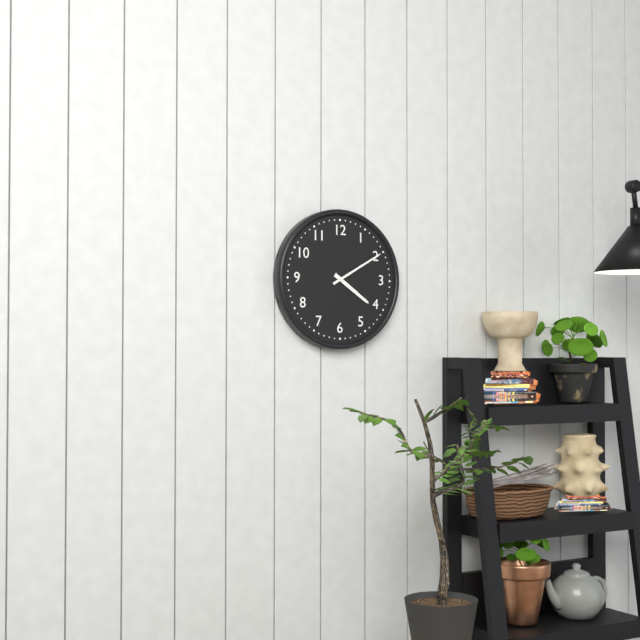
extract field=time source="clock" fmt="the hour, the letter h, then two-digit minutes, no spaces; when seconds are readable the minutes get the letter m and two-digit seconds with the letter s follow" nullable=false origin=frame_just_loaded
4h10
